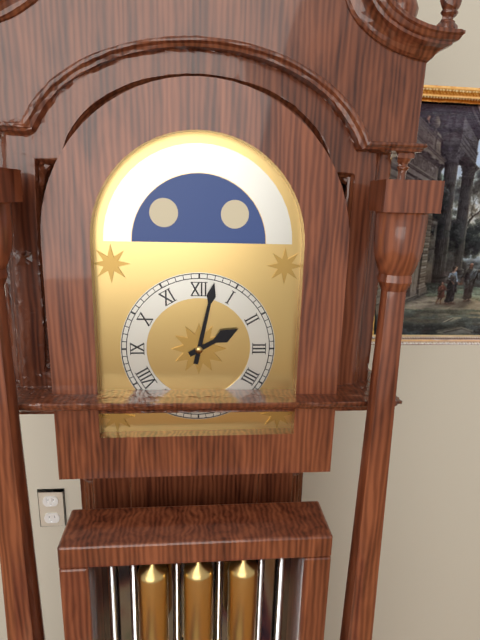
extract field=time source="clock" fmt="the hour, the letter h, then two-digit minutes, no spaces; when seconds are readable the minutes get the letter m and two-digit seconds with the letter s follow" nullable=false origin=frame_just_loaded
2h02
